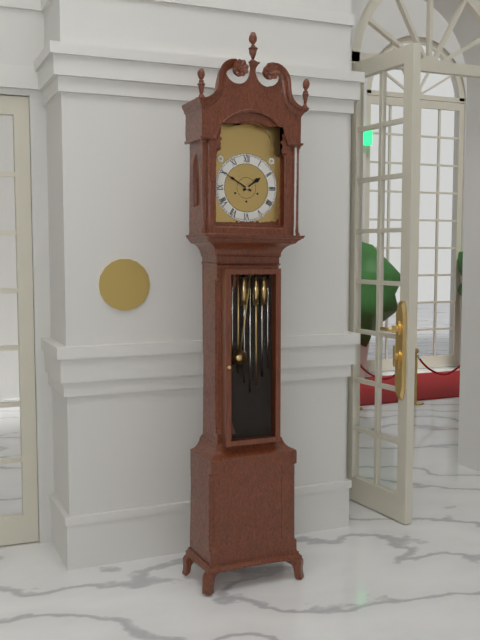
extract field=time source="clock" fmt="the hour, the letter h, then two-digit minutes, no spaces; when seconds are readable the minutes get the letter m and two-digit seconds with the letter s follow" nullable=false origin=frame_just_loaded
1h50
